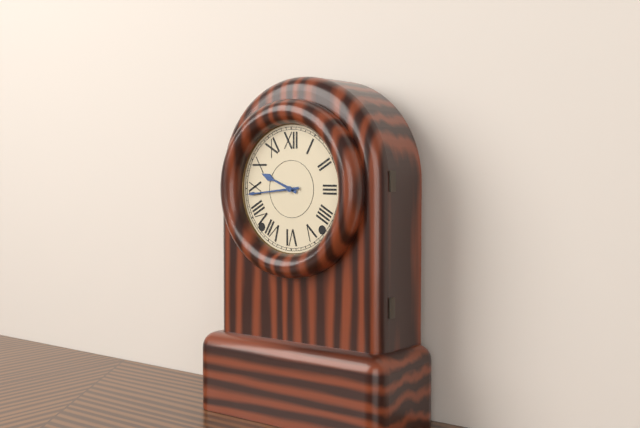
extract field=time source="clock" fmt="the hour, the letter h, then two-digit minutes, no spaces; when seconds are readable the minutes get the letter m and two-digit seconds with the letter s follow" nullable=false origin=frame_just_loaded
9h44
